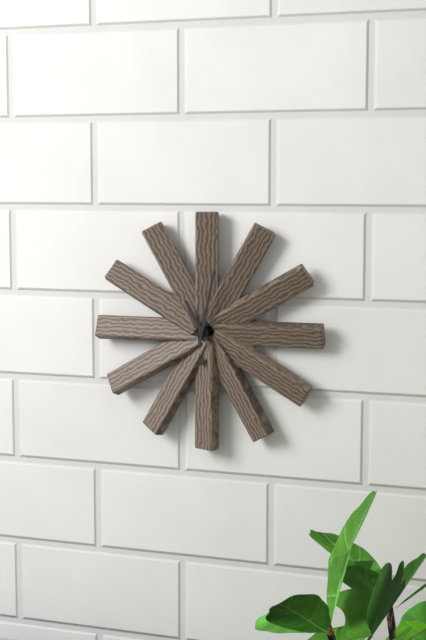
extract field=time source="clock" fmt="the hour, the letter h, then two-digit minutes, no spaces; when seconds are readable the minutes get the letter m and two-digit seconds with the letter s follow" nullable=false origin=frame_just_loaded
11h02
